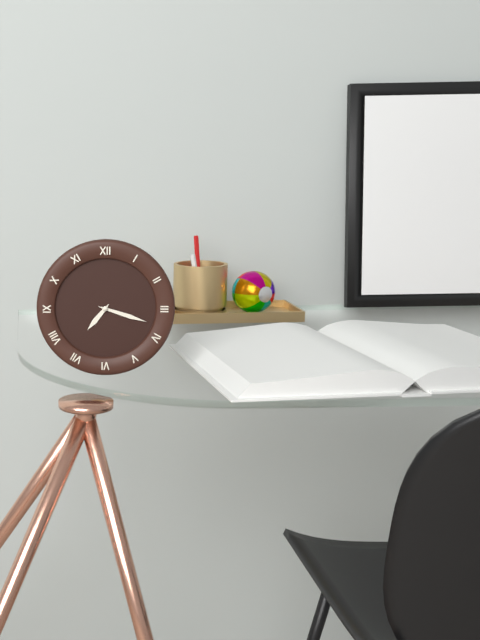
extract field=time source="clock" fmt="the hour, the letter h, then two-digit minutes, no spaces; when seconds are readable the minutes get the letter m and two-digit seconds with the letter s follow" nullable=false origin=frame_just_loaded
7h18
